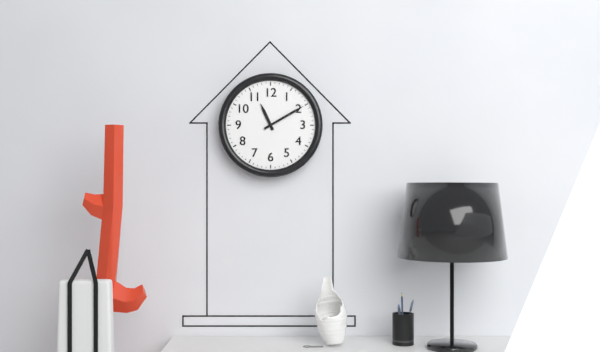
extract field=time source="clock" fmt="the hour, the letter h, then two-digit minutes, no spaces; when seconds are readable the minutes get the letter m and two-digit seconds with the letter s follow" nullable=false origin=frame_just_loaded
11h10
